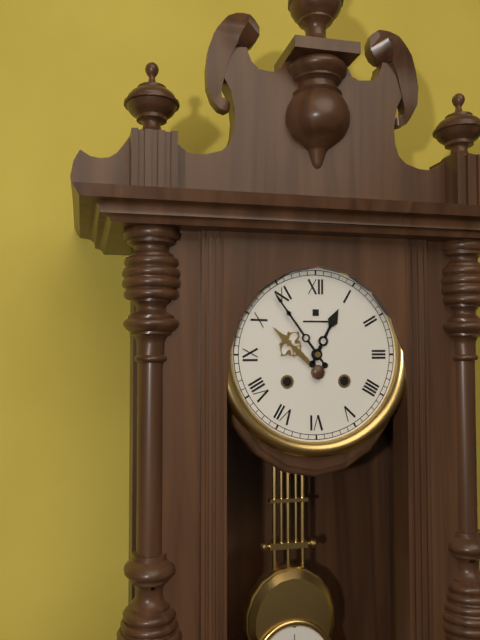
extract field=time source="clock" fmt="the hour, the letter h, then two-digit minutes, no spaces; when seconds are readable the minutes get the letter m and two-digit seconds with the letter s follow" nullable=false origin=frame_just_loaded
12h54
